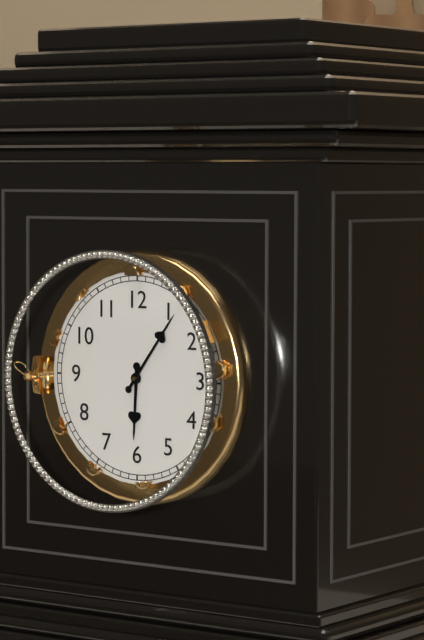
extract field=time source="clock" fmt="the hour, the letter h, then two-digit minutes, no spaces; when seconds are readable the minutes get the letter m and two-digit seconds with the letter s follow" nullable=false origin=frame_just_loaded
6h06
